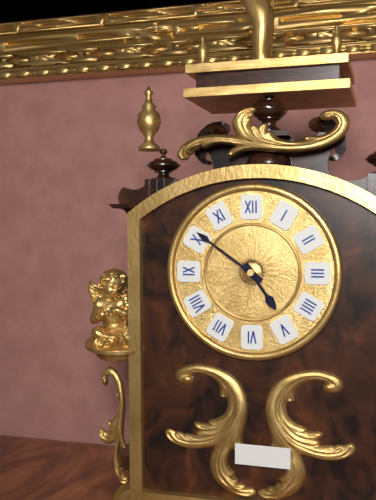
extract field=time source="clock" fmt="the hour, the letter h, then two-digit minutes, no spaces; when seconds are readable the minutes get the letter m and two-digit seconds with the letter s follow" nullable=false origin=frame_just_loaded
4h51
